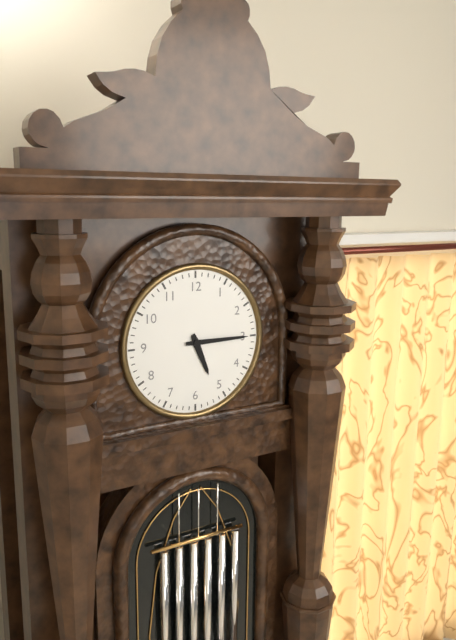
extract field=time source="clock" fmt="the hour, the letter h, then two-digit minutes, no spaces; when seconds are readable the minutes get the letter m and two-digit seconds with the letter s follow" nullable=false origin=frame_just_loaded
5h15
